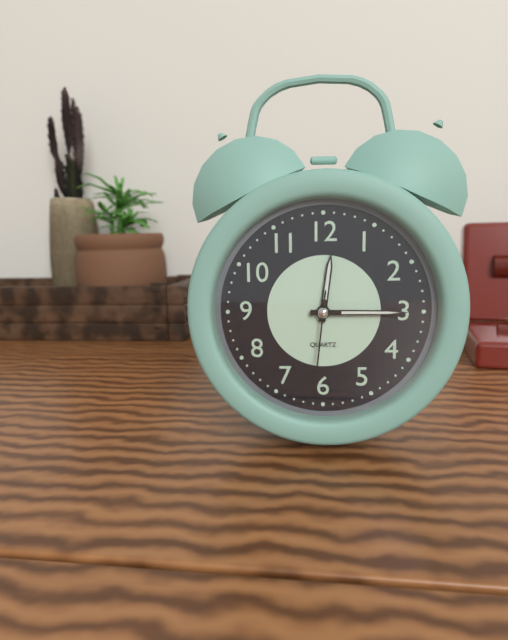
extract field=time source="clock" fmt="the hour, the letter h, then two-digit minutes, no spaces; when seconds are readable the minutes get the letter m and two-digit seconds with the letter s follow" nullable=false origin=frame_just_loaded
12h15m31s
